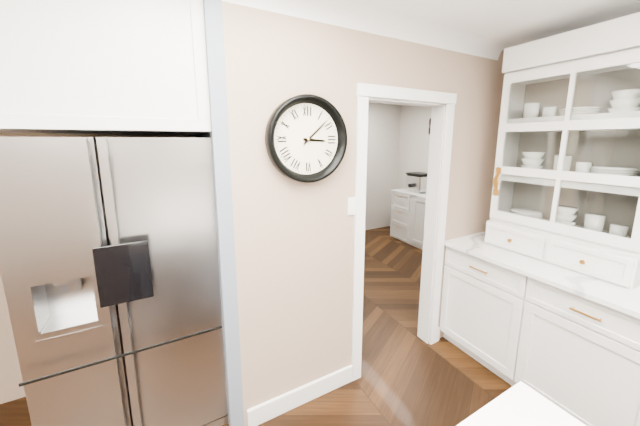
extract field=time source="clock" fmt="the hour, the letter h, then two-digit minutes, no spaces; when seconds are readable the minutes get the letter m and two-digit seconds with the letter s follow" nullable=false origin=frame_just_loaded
3h08
